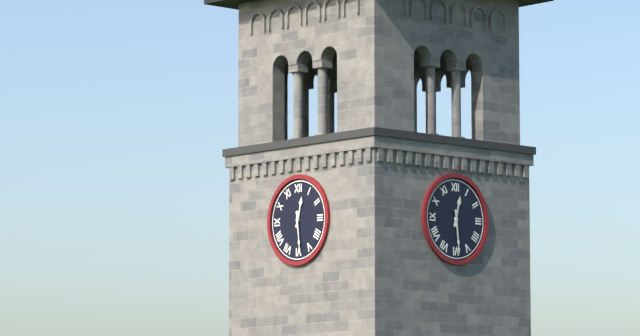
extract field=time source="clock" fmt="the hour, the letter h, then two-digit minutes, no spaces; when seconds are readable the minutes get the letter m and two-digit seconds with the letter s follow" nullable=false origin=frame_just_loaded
12h29
